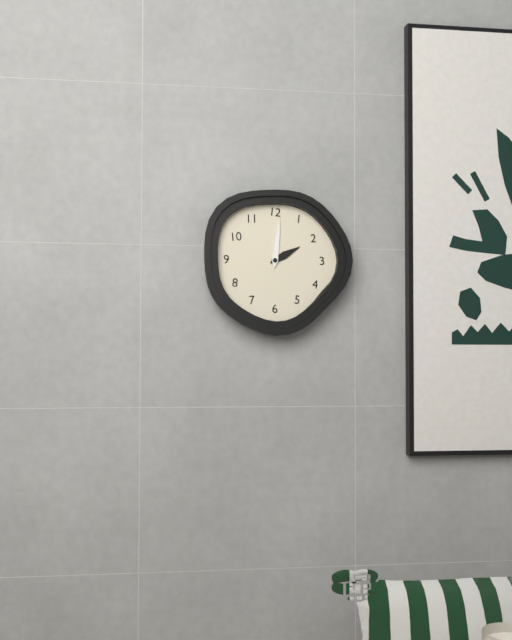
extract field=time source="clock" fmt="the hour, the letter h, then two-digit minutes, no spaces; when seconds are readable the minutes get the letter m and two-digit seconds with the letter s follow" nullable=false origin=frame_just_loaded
2h01
